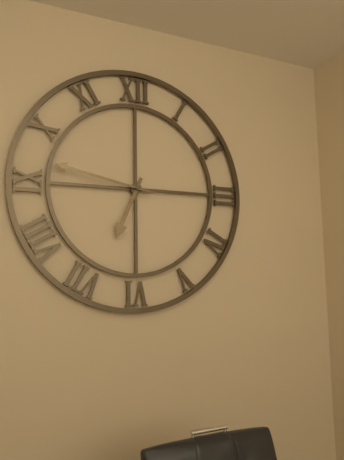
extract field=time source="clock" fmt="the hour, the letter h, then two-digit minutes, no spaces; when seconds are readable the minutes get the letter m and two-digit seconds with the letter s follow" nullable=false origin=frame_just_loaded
6h47
